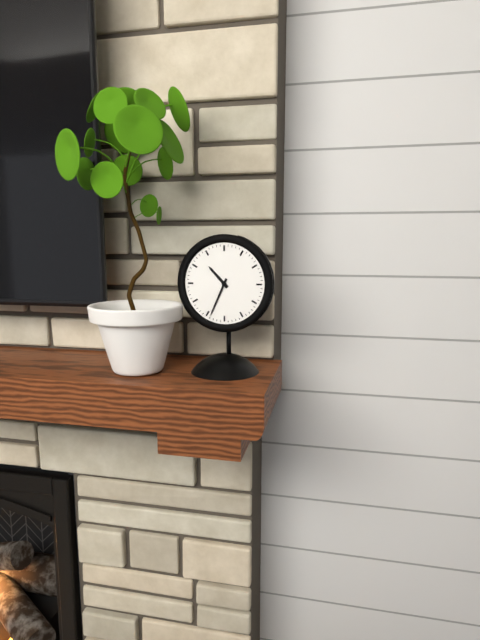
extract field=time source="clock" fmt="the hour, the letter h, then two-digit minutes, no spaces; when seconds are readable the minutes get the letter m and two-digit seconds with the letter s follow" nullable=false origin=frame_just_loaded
10h34
